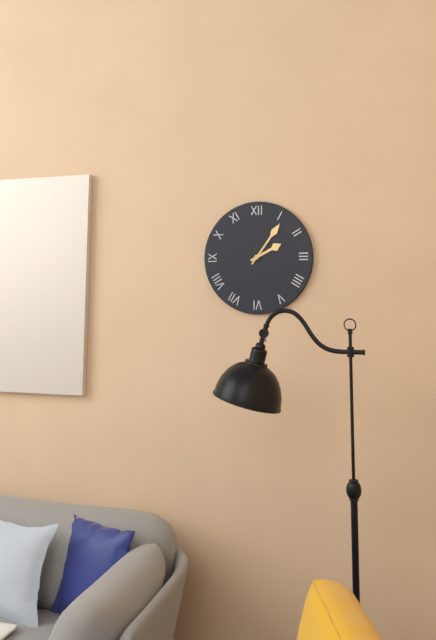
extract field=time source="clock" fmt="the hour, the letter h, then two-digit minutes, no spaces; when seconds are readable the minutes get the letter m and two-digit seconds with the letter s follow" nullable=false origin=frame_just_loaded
2h06
